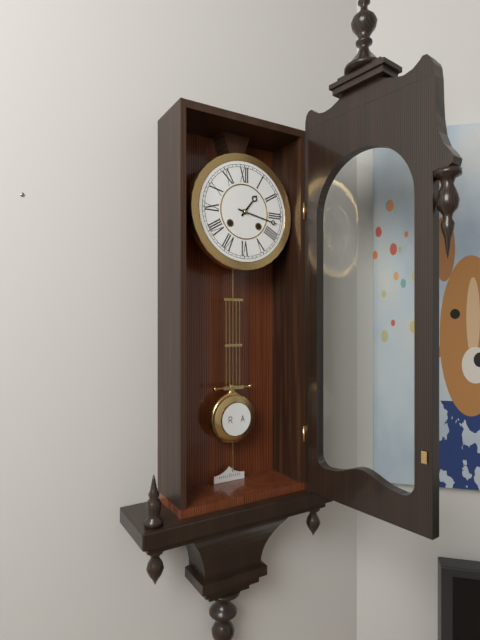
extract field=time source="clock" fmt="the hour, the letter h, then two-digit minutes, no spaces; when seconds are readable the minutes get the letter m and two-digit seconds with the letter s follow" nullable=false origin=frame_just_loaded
1h17
